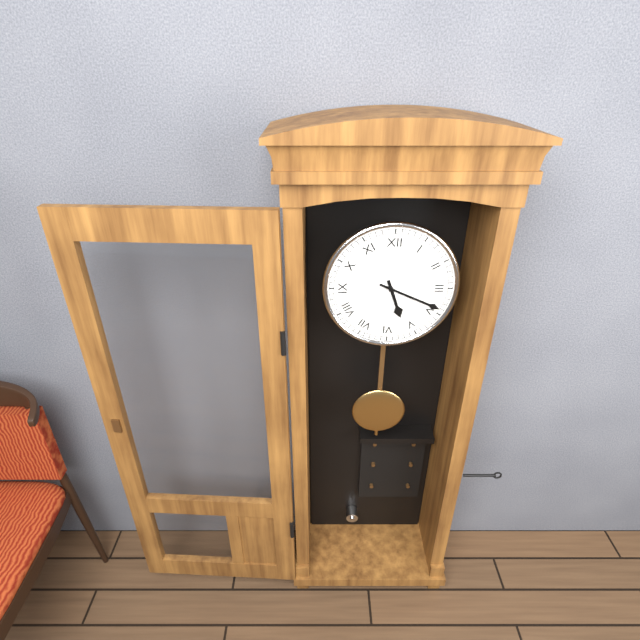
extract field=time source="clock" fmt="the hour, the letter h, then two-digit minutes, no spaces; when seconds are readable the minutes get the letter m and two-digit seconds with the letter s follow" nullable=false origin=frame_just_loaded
5h19
